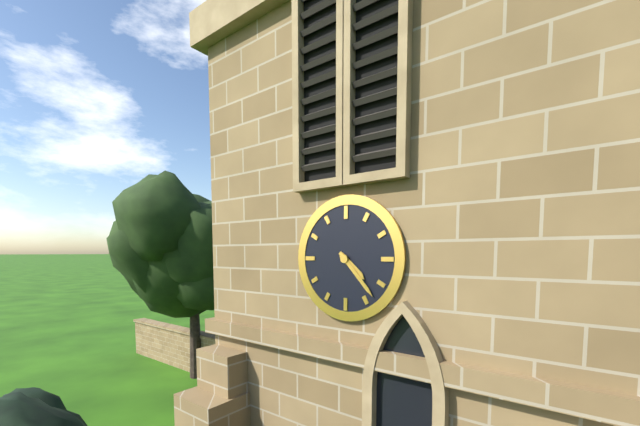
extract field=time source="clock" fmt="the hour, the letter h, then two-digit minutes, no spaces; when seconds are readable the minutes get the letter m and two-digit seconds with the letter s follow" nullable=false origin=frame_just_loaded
4h23
